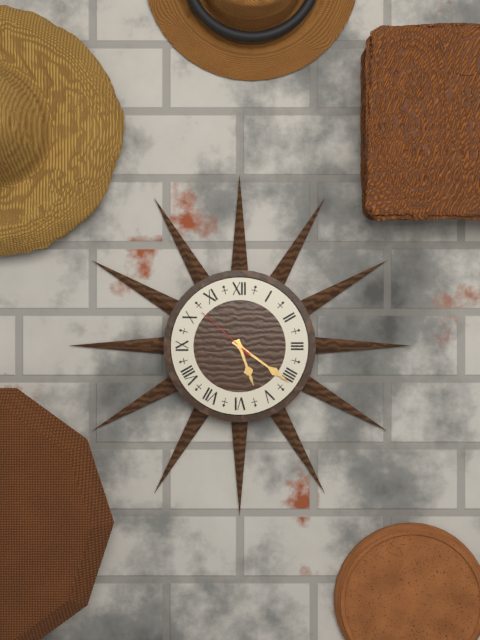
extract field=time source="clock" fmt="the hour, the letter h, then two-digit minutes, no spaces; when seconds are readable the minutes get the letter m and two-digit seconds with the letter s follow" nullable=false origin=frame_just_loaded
5h21m52s
